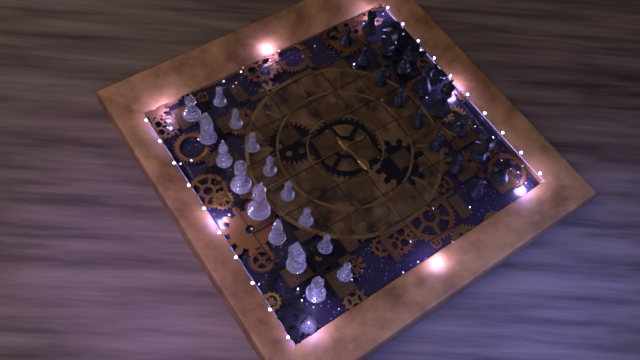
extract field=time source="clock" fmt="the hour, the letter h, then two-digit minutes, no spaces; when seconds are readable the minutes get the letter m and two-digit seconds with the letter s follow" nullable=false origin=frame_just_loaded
8h44m00s
